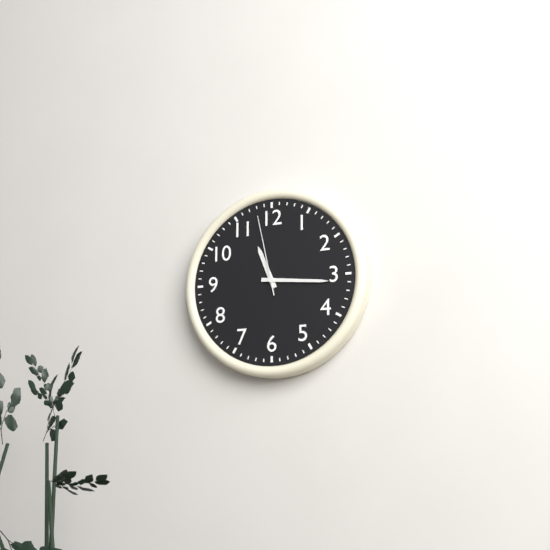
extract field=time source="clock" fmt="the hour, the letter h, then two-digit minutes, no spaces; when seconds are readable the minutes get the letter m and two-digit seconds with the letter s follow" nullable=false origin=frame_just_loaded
11h16m58s
